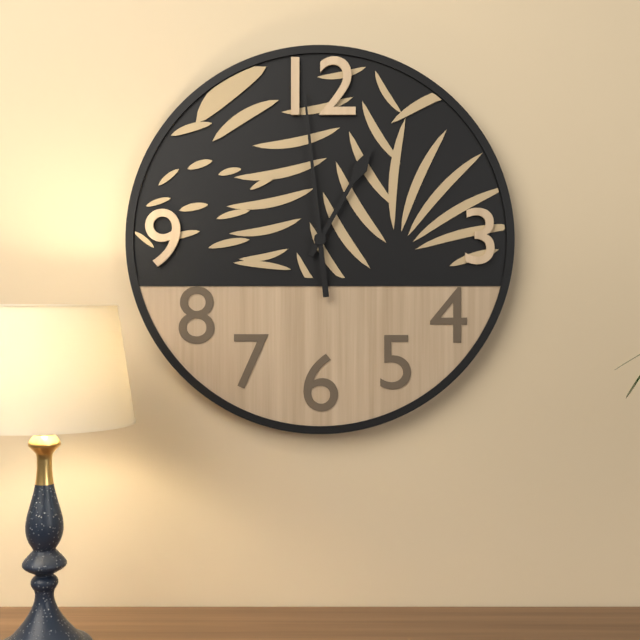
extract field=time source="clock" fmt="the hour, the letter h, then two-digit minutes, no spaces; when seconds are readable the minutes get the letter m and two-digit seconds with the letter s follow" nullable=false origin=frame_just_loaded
12h59
